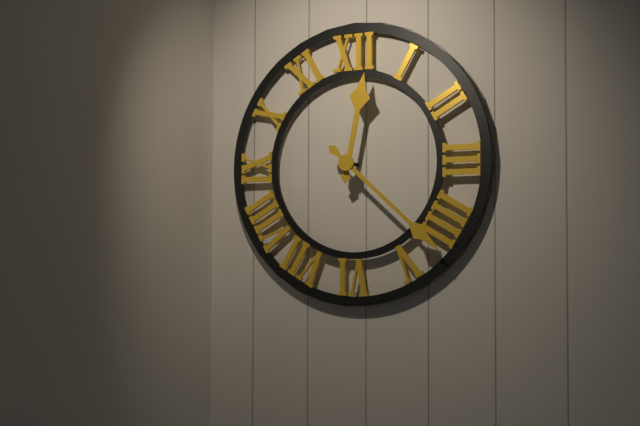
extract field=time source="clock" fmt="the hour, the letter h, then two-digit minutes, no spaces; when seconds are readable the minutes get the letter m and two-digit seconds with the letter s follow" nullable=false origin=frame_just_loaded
12h22
